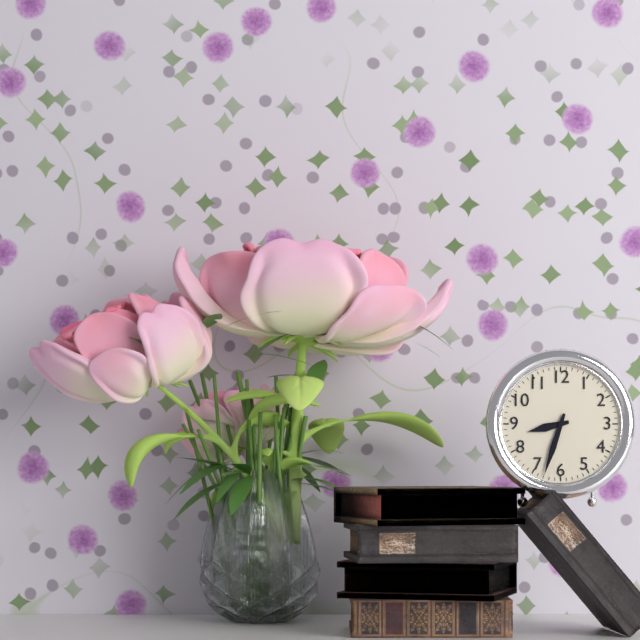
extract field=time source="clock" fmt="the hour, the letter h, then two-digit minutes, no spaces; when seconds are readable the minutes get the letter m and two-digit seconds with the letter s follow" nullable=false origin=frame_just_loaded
8h33
